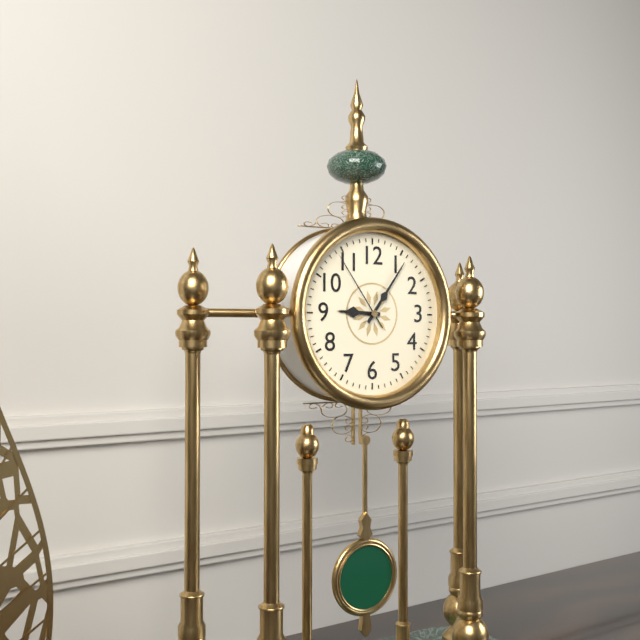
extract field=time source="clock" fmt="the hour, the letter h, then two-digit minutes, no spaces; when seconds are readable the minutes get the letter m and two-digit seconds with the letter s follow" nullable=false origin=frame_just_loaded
9h06m54s
